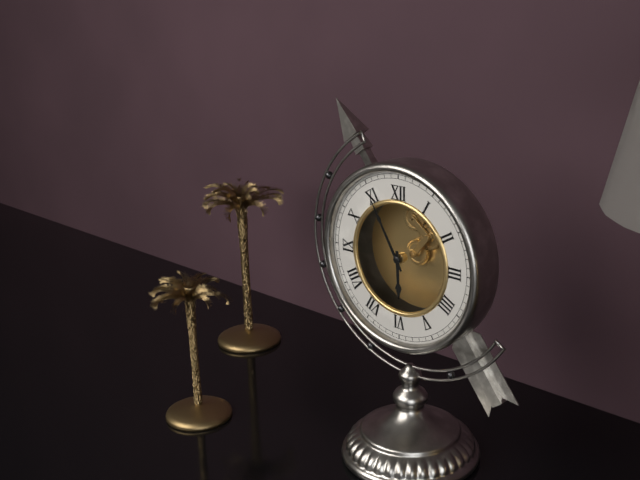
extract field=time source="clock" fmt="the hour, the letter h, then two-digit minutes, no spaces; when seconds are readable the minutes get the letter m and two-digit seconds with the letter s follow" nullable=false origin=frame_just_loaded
5h55
